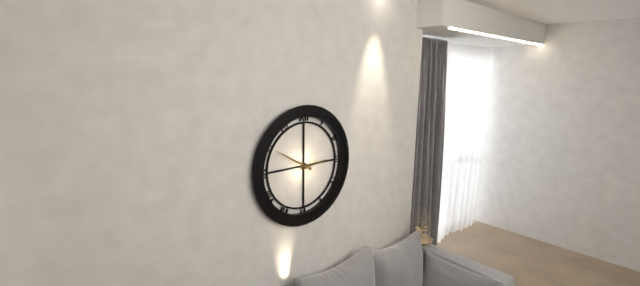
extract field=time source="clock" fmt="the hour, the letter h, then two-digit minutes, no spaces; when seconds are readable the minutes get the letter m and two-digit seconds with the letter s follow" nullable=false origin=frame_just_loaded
2h50
